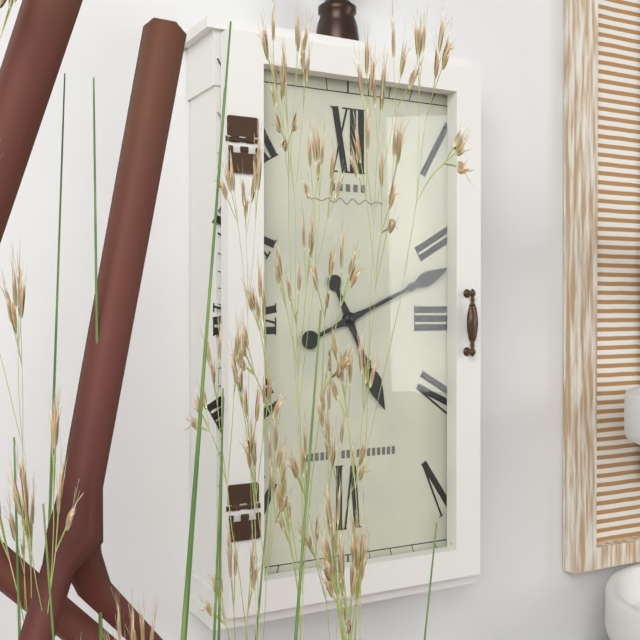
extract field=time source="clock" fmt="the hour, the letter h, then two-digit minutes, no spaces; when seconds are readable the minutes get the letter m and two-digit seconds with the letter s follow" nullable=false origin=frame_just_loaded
5h11
